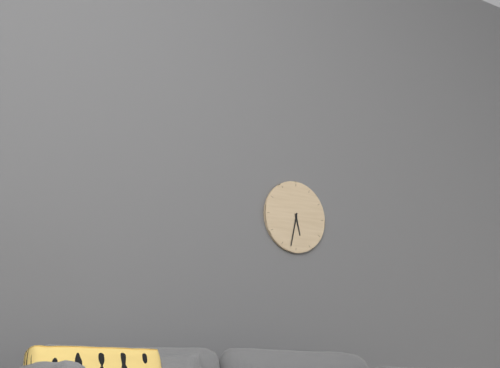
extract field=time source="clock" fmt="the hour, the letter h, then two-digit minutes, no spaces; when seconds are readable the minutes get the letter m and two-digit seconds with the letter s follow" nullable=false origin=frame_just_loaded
5h32
